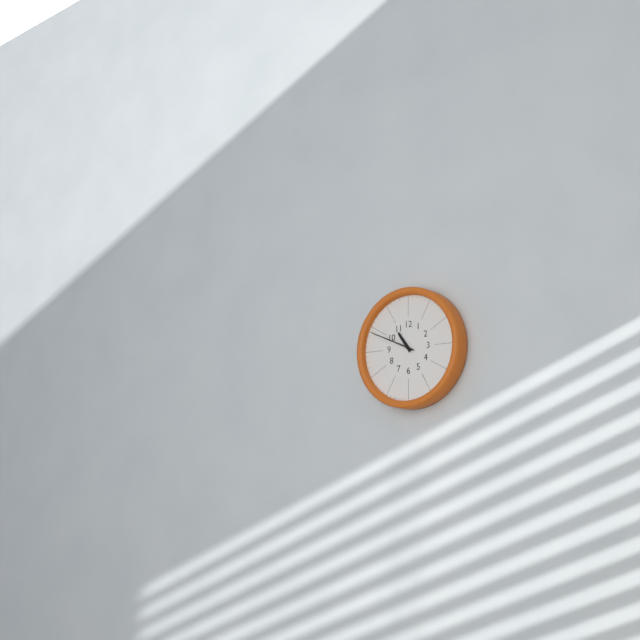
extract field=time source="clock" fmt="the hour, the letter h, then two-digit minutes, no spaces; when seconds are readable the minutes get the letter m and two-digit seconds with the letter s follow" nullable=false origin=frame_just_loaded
10h49
